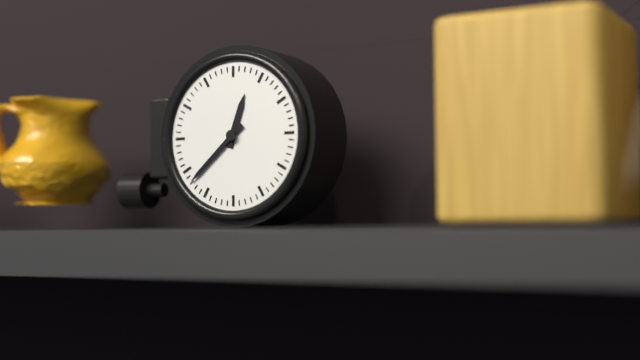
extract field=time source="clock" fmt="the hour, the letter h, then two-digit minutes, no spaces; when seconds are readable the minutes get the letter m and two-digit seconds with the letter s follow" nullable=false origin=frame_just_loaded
12h38
